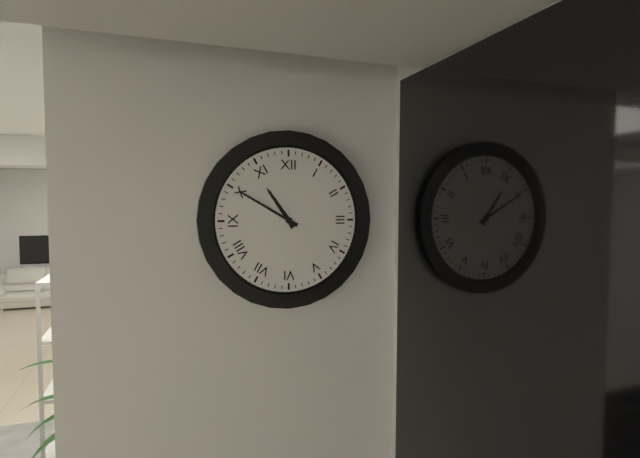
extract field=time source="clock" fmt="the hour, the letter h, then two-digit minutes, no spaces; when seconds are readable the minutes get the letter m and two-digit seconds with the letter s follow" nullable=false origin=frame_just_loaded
10h50
